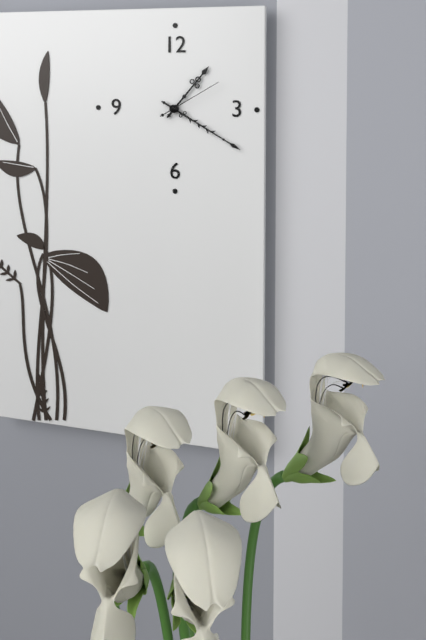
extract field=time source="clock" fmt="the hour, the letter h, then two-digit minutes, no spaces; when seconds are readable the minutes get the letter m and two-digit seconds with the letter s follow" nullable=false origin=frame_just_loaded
1h20m10s
